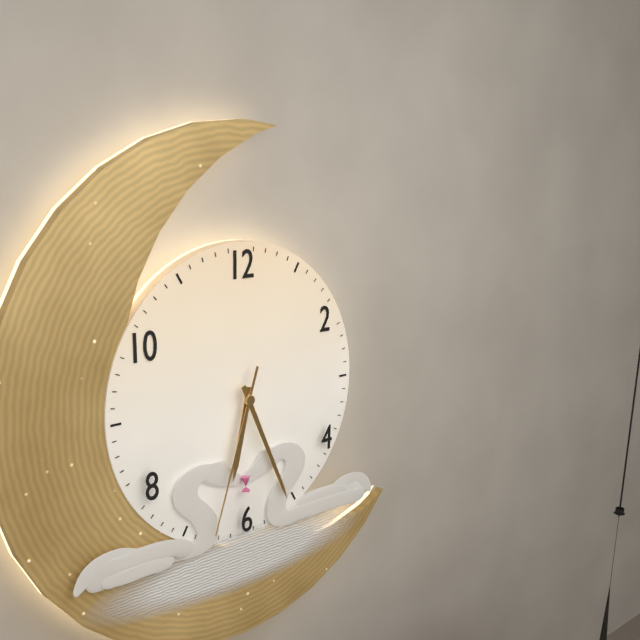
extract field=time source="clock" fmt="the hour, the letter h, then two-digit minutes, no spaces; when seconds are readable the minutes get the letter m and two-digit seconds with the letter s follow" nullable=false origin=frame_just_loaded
6h26m33s
